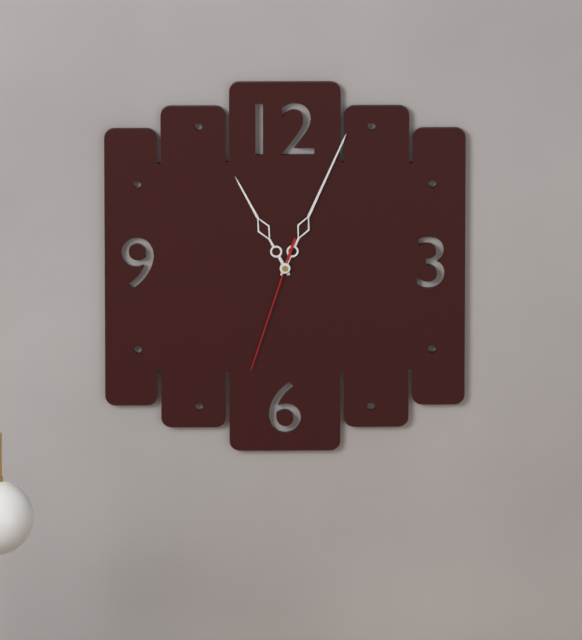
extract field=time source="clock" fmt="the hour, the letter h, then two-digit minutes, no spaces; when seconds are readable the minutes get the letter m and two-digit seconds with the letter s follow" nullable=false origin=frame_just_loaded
11h04m33s
